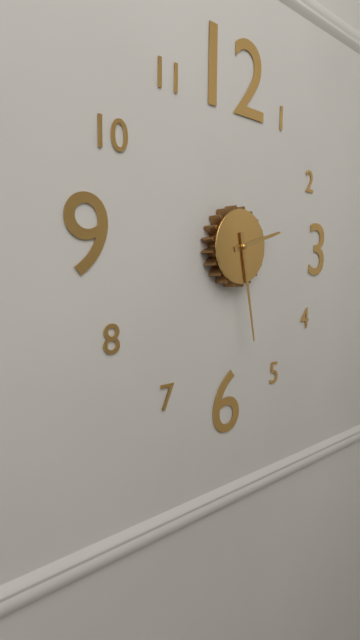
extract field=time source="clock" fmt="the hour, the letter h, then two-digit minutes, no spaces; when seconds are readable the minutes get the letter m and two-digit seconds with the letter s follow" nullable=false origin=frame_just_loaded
2h28
